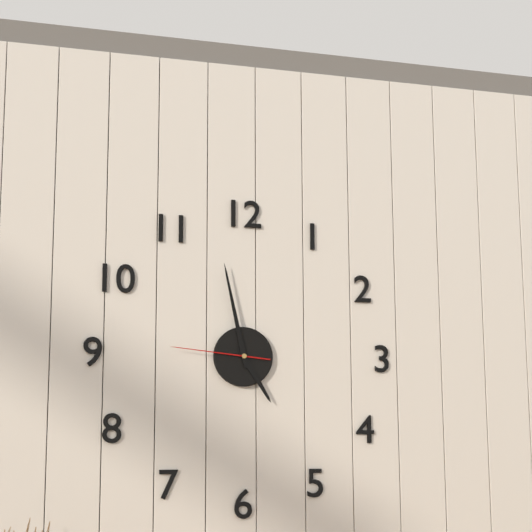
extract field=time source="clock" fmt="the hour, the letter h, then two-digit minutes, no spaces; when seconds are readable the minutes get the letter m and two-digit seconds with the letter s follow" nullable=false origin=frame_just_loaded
4h58m46s
